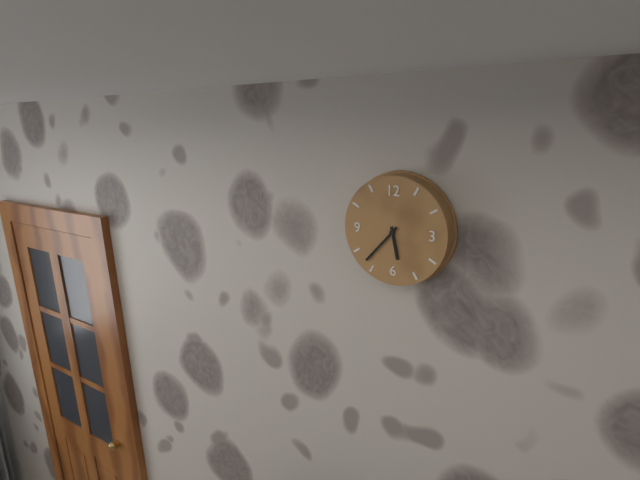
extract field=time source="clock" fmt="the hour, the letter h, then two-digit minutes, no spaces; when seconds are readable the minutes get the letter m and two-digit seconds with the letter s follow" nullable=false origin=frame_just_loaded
5h37
